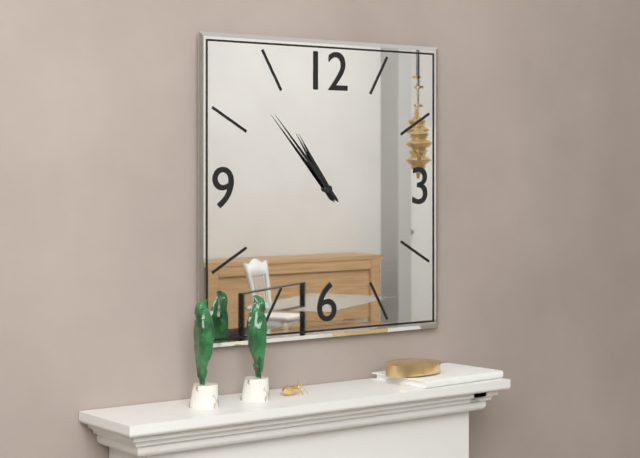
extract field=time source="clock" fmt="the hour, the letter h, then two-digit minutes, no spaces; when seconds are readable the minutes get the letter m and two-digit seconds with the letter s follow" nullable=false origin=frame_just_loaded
10h53
